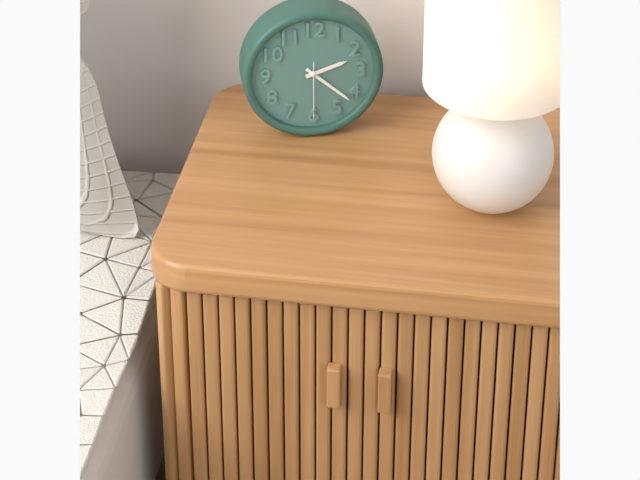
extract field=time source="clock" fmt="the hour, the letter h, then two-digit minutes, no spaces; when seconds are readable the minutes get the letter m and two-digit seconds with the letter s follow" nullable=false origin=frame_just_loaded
2h22m30s
